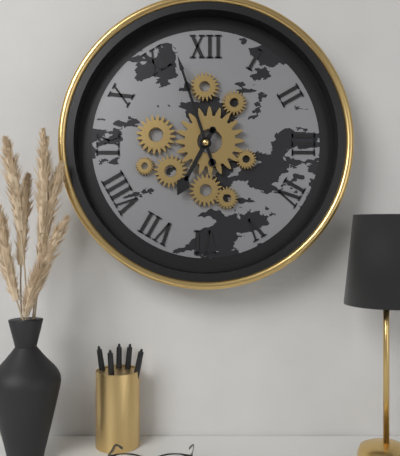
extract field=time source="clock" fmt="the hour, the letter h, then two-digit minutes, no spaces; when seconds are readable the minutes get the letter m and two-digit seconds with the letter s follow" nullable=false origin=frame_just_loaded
6h57
